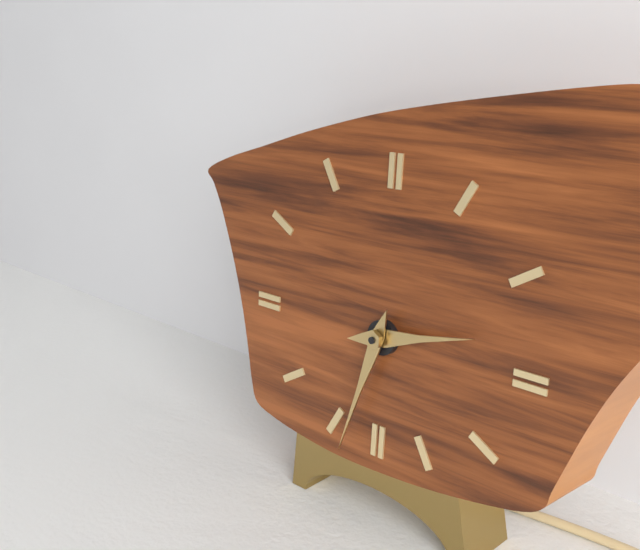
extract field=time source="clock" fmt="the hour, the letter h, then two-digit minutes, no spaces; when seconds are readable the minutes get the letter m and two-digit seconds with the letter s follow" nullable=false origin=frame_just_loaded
2h33
